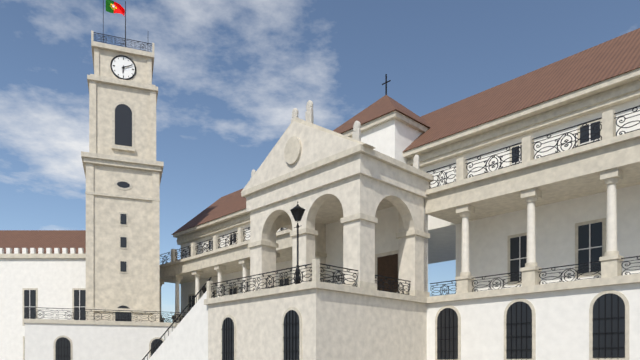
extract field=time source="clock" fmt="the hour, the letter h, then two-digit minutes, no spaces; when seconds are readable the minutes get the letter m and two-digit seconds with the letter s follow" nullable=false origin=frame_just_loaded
6h11
